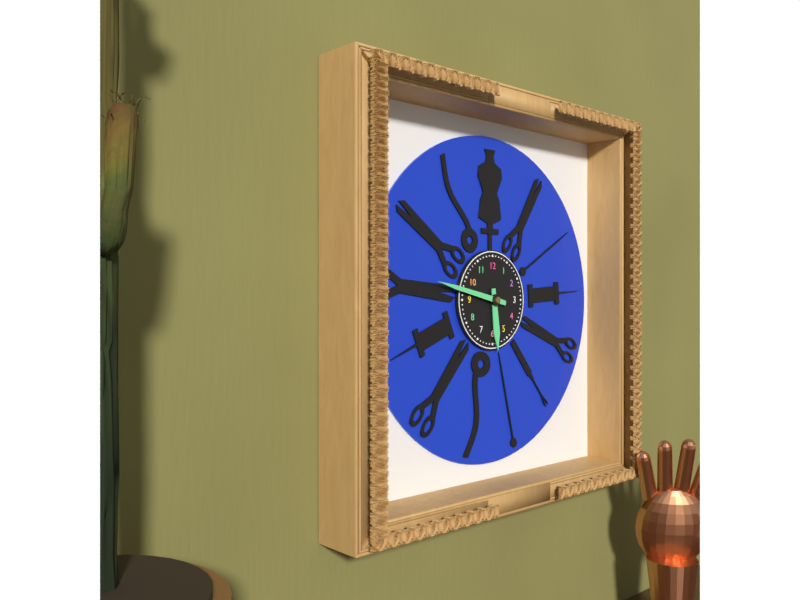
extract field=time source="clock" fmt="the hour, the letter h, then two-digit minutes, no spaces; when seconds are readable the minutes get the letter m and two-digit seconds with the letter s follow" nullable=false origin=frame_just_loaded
5h47
